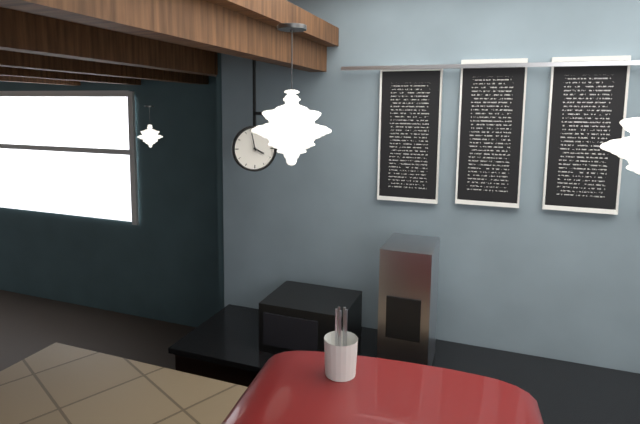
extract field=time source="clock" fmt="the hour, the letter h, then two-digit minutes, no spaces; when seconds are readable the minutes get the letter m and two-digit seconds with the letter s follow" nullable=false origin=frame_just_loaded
3h58
